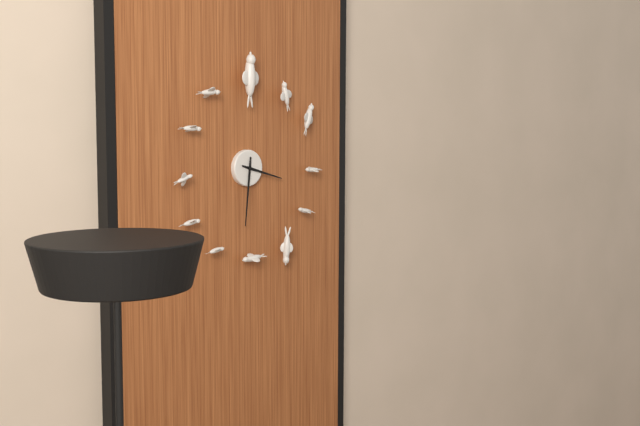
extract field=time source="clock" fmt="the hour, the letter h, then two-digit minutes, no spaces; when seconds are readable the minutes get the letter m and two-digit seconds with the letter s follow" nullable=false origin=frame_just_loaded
3h31
